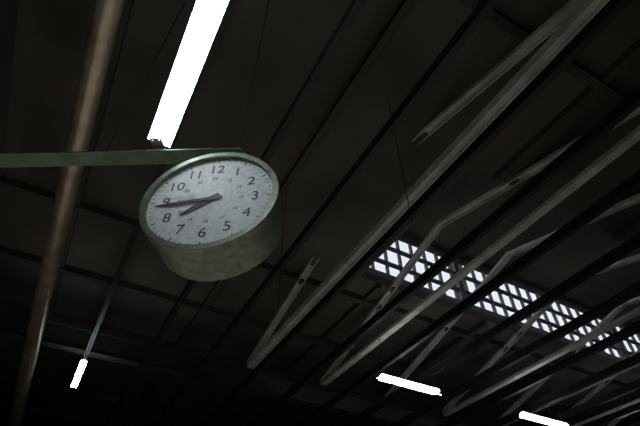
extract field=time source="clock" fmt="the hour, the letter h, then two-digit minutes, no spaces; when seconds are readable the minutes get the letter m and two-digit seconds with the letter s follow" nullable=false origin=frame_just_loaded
7h44
